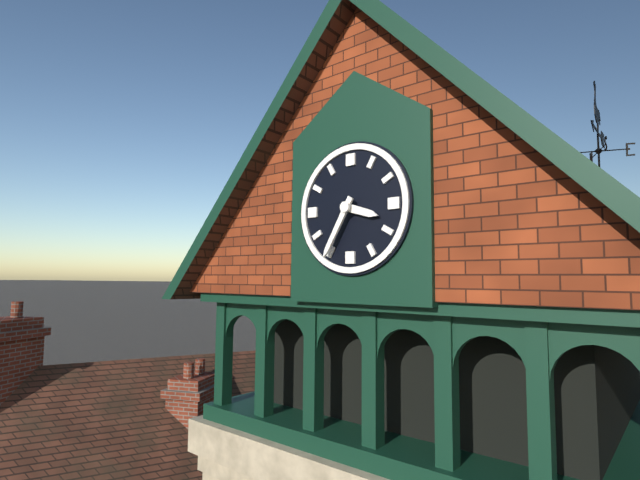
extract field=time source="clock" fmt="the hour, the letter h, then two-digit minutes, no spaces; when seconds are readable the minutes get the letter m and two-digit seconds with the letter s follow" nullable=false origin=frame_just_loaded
3h35
